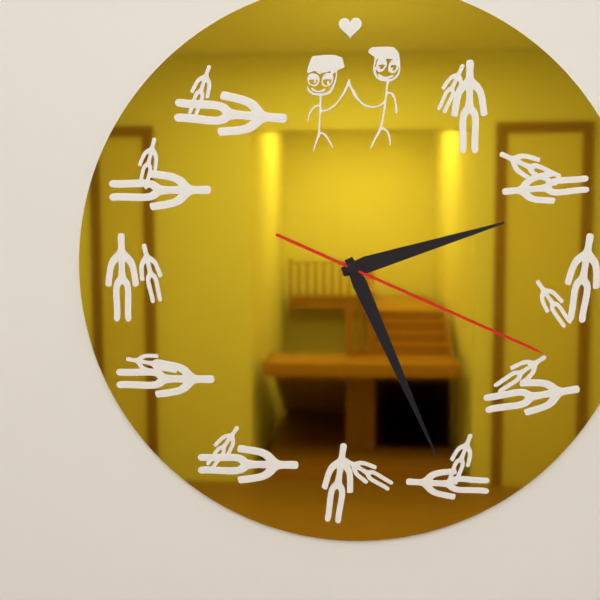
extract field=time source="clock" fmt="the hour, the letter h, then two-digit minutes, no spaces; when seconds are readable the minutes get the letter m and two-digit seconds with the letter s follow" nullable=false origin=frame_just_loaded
2h26m19s
